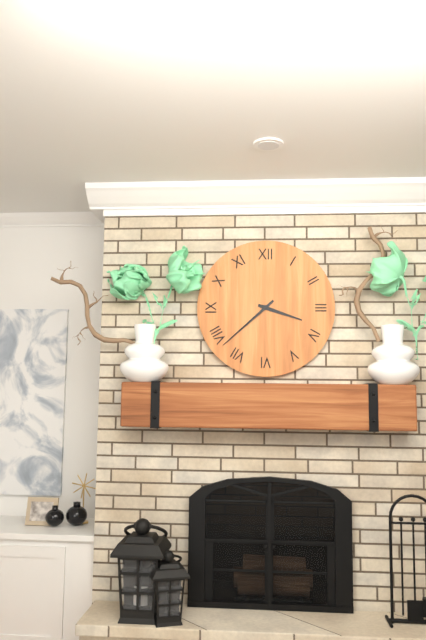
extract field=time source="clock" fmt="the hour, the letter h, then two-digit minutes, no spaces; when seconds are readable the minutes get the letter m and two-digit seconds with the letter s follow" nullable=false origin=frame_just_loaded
3h38
